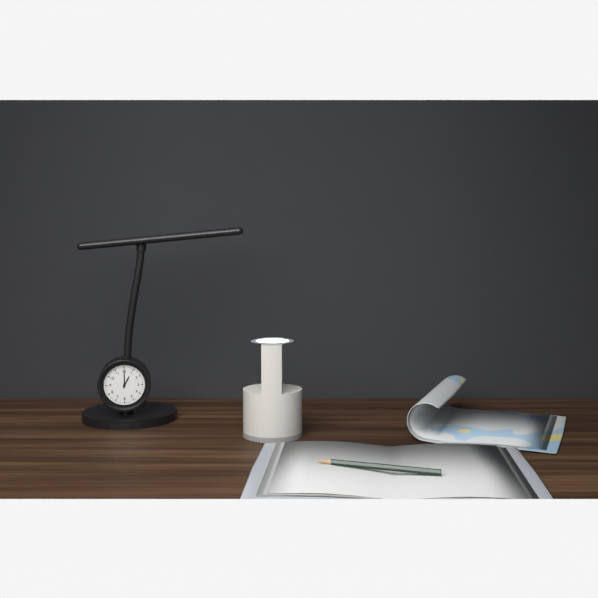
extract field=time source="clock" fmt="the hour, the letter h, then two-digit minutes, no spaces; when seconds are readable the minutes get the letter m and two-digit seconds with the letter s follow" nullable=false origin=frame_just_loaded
1h00
